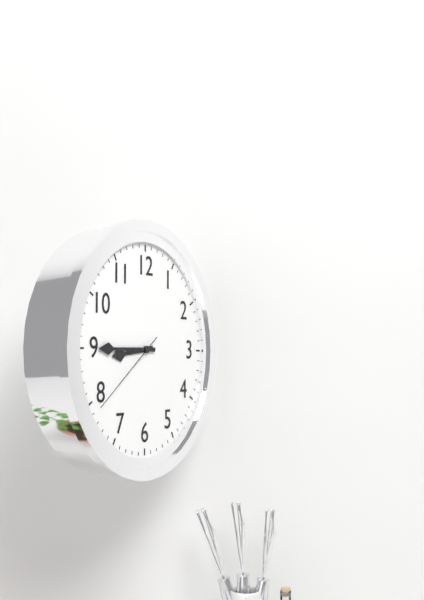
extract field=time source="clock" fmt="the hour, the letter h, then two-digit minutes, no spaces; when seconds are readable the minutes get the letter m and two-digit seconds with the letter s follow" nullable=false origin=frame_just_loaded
8h45m39s
